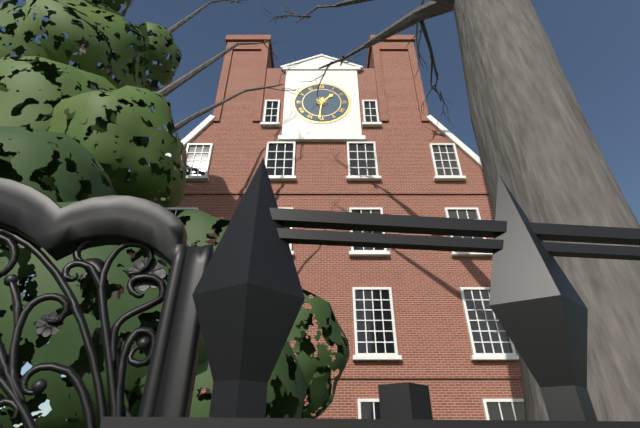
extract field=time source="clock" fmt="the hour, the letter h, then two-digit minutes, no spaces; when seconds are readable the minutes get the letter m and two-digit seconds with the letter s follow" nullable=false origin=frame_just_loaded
1h31
